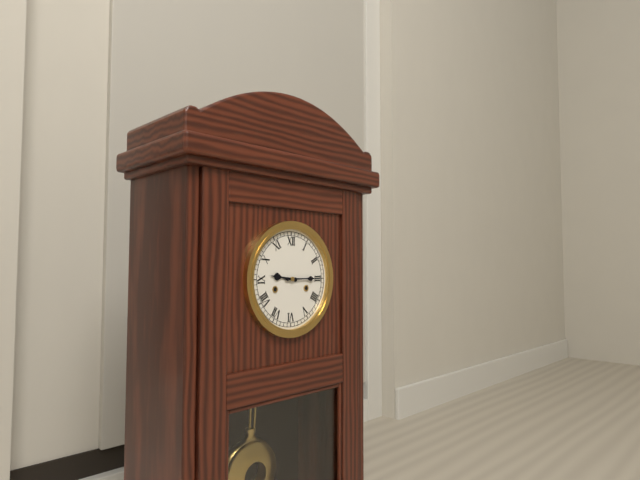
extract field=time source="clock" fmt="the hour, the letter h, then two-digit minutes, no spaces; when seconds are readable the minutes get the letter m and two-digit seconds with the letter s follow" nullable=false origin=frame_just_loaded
9h15
